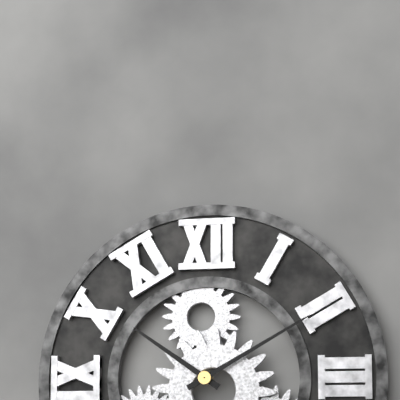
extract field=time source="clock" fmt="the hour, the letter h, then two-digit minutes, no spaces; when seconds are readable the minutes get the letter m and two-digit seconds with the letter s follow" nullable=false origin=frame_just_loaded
10h10
